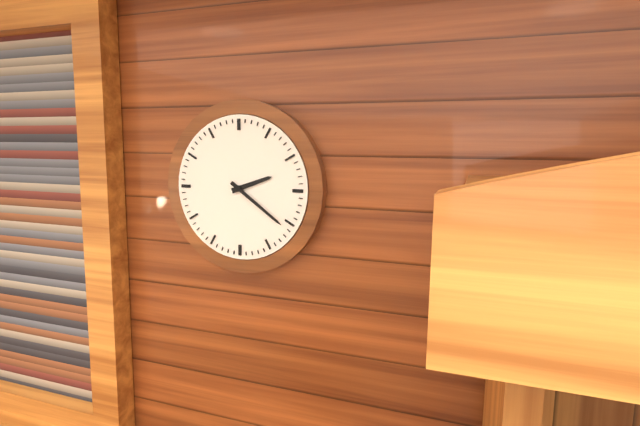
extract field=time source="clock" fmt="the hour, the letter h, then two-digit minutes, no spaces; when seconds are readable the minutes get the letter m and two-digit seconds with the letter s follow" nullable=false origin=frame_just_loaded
2h21
